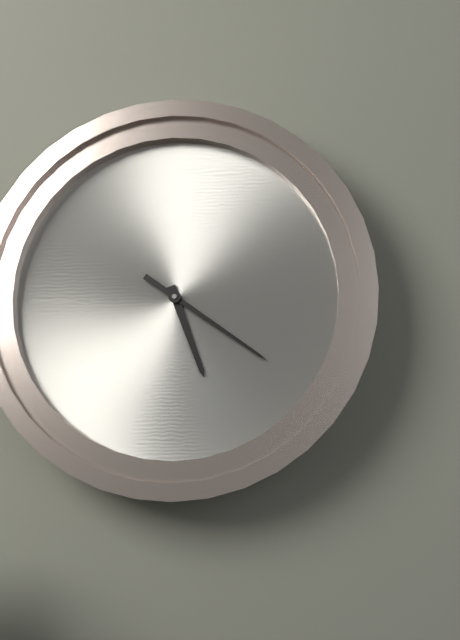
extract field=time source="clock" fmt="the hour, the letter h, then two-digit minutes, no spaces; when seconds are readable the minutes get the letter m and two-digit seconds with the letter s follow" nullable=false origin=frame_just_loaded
5h21
